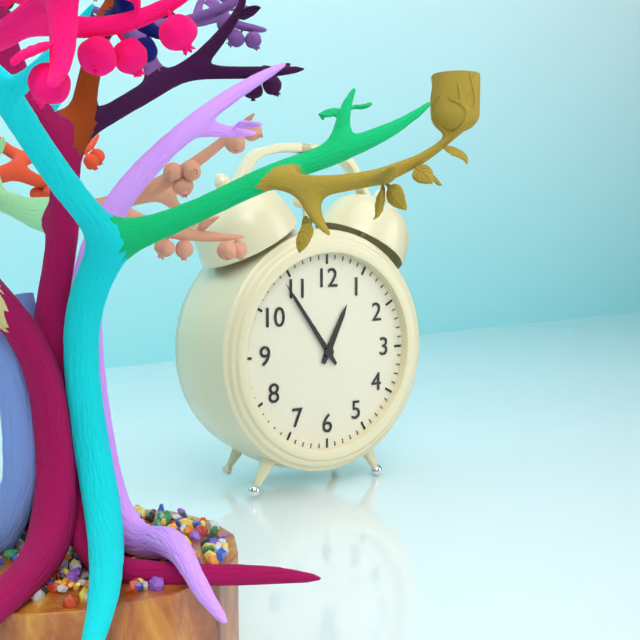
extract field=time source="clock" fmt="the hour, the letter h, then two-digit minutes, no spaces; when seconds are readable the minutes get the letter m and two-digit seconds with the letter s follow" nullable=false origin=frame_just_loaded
12h54
